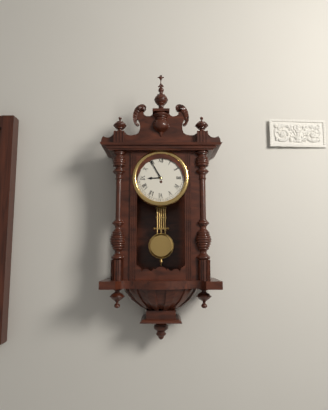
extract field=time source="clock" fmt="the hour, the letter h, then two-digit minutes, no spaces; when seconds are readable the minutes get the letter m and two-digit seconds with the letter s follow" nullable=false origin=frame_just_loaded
8h55
